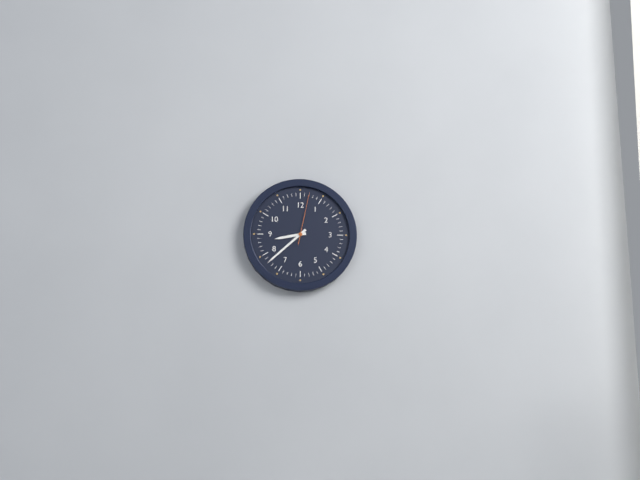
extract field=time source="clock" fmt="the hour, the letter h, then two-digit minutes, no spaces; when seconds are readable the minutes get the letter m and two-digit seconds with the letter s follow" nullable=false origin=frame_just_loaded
8h38m02s
